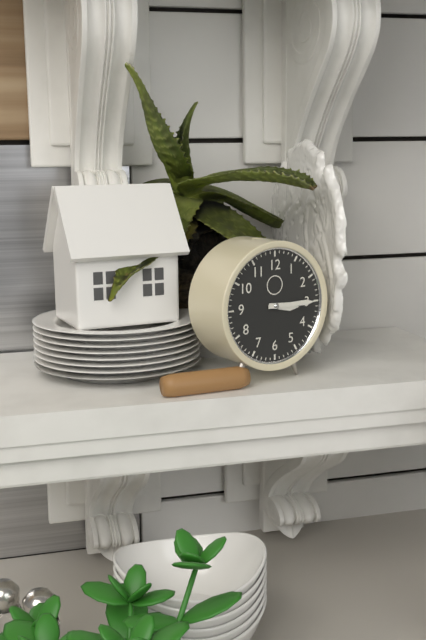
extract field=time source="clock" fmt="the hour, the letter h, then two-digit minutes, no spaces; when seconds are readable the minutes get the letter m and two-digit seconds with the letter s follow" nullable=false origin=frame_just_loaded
3h15
